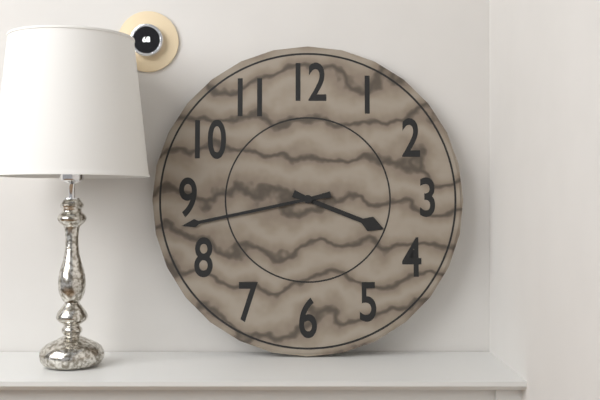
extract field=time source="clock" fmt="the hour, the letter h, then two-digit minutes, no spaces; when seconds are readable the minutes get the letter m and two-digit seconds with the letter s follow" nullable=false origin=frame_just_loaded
3h43
